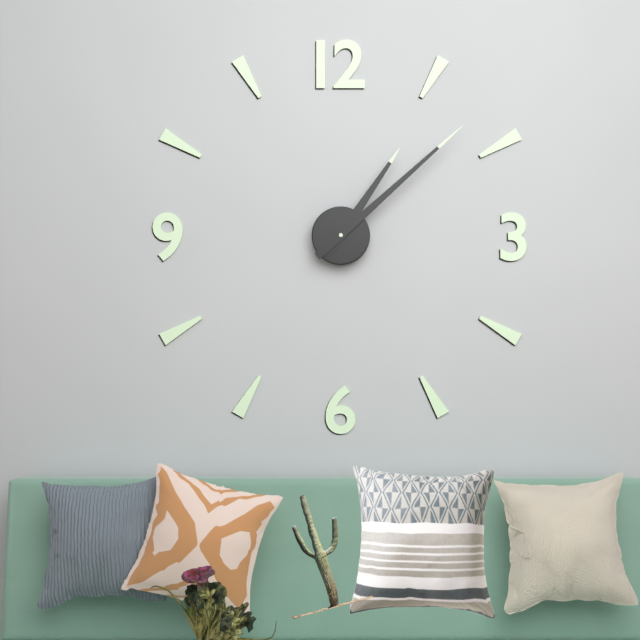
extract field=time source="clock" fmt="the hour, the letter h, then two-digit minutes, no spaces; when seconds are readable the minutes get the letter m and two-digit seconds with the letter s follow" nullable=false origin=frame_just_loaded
1h08
